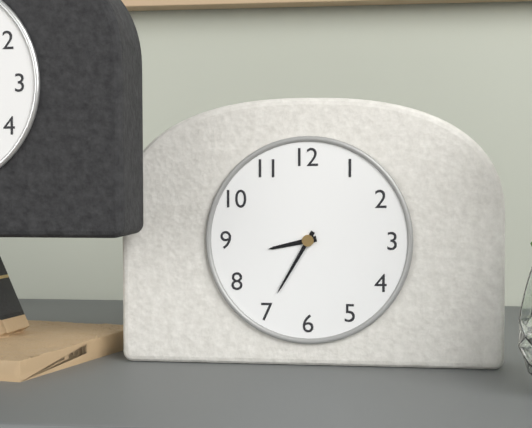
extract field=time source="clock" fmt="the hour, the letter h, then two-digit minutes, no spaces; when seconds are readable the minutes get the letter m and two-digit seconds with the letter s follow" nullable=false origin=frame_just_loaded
8h35
